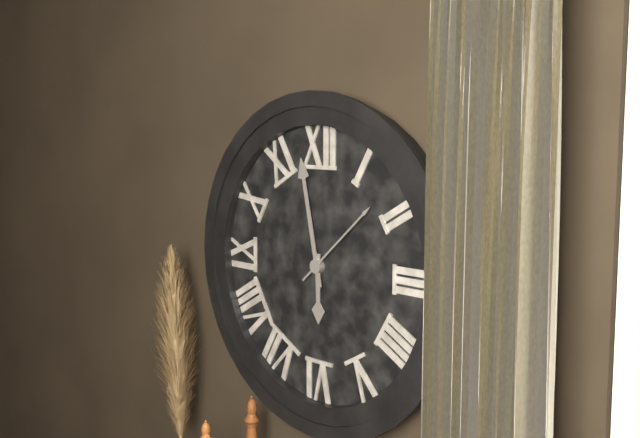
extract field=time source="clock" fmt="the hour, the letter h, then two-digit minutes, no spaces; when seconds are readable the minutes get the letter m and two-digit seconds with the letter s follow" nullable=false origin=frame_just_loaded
5h58m08s
